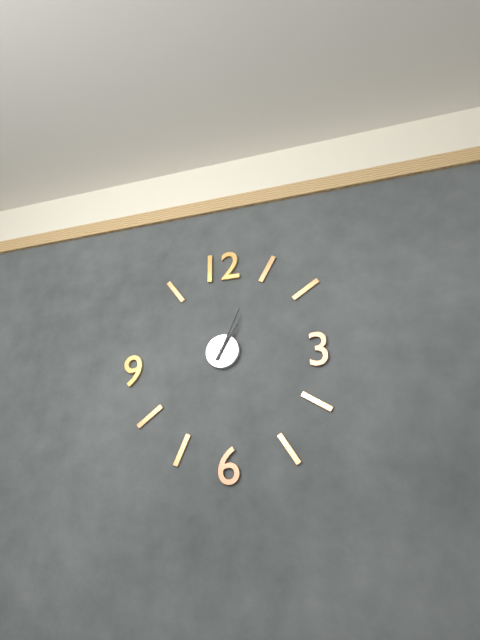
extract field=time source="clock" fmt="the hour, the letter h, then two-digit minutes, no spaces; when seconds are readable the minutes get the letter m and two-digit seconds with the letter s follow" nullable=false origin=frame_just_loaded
1h04
